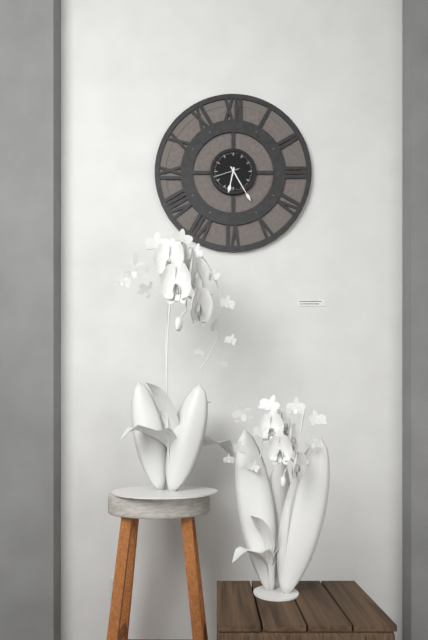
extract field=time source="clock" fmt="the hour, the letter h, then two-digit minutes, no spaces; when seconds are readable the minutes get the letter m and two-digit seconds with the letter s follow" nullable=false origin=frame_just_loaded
6h25
